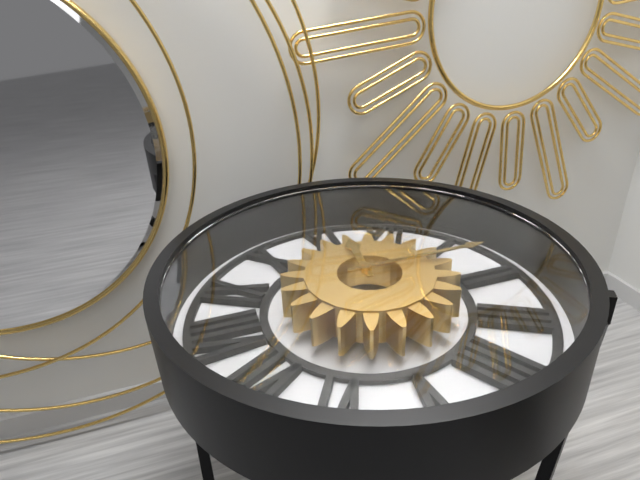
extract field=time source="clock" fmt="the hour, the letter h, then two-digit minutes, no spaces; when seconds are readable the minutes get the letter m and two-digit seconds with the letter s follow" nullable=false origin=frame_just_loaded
11h10
